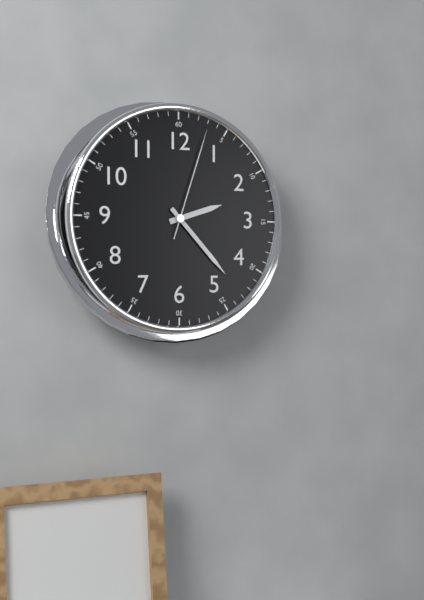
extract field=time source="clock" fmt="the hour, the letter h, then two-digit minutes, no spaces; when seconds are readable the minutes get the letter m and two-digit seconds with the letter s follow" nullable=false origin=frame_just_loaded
2h23m03s
